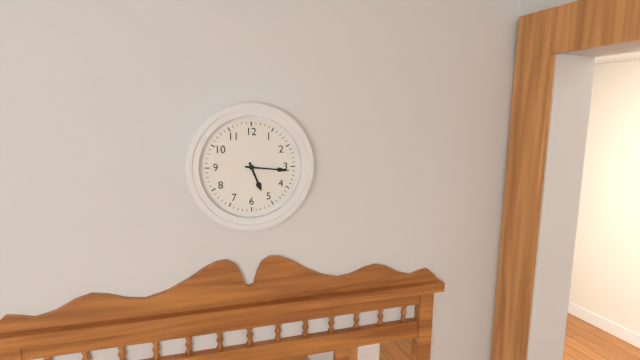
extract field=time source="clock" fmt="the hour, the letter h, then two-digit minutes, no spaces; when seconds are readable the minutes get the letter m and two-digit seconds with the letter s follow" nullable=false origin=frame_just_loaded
5h16
